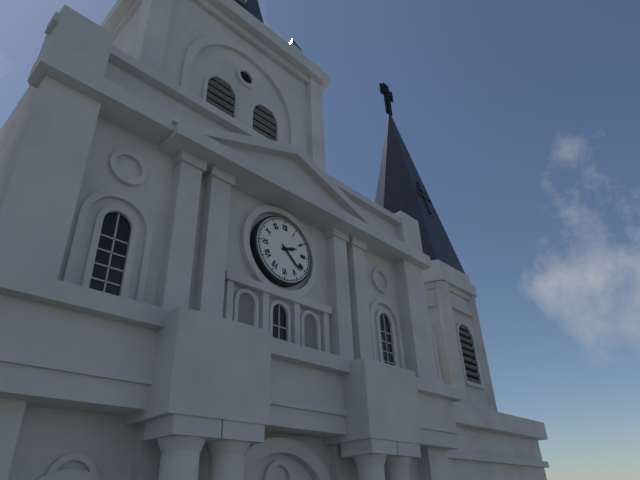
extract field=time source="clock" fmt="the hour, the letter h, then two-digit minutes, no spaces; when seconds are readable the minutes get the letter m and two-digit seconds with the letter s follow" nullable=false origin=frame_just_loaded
2h22
